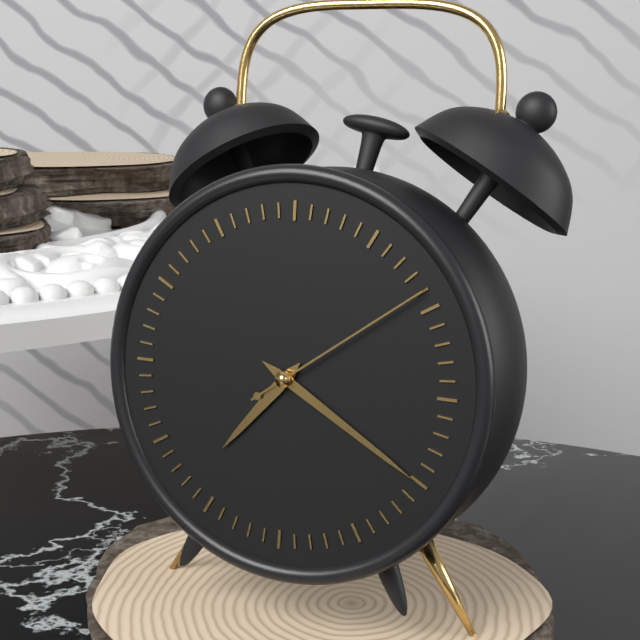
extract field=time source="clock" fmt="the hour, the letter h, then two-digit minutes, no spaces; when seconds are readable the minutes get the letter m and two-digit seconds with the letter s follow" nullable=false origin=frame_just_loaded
7h20m09s
